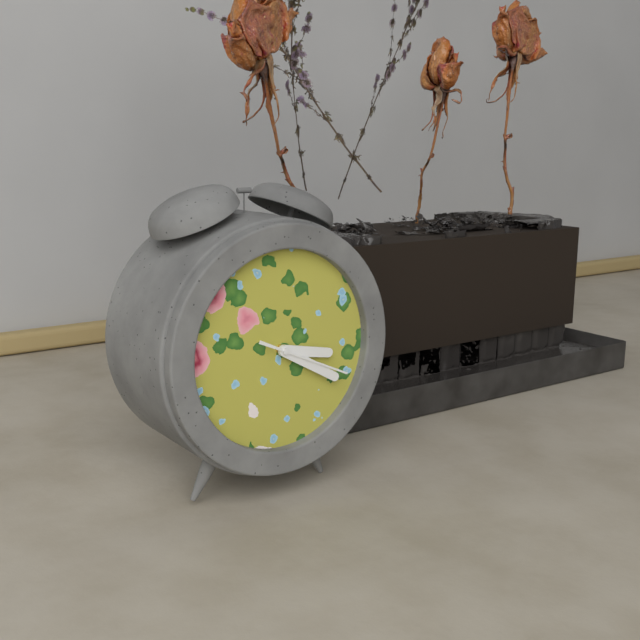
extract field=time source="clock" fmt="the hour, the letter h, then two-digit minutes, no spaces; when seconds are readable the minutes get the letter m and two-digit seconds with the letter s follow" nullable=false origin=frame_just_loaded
3h20m19s
